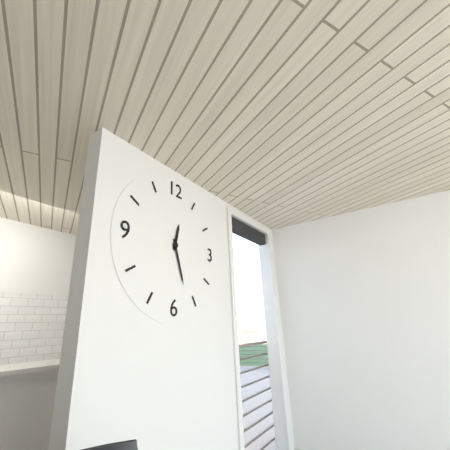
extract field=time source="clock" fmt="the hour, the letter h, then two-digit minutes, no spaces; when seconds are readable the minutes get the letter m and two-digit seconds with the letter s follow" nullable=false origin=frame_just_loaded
12h27
